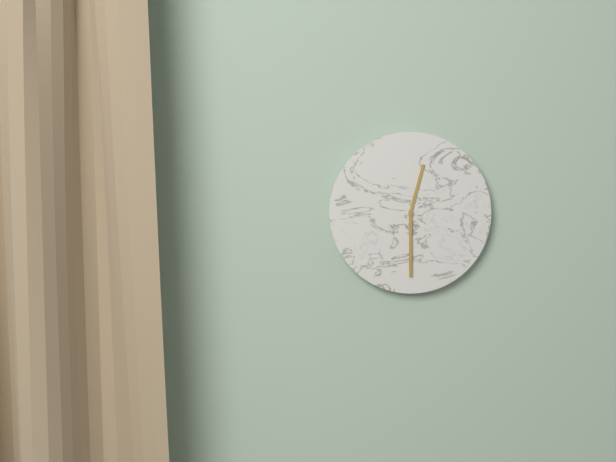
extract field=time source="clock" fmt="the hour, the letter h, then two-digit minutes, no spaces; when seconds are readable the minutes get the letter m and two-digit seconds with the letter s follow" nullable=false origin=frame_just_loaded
12h30
